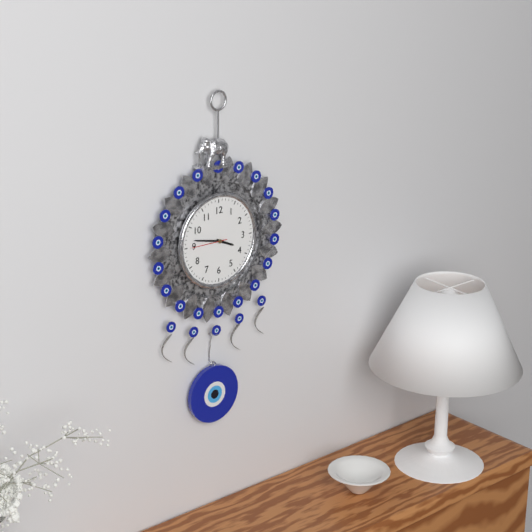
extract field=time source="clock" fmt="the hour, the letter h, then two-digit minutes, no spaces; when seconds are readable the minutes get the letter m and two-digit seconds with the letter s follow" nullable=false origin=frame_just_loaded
3h47
